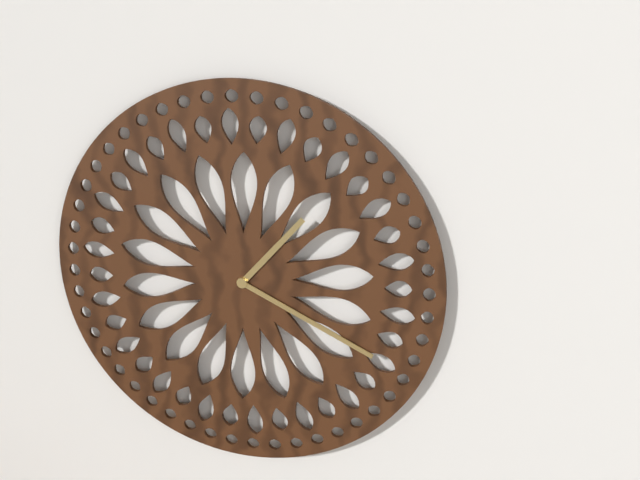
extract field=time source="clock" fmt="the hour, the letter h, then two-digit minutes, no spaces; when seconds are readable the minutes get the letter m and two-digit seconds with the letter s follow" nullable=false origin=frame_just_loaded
1h19
